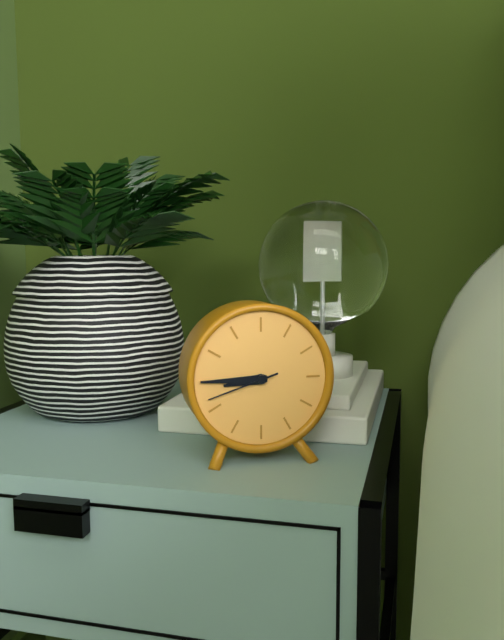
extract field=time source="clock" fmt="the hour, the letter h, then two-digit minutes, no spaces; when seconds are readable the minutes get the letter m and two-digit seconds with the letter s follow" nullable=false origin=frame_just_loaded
8h45m42s
